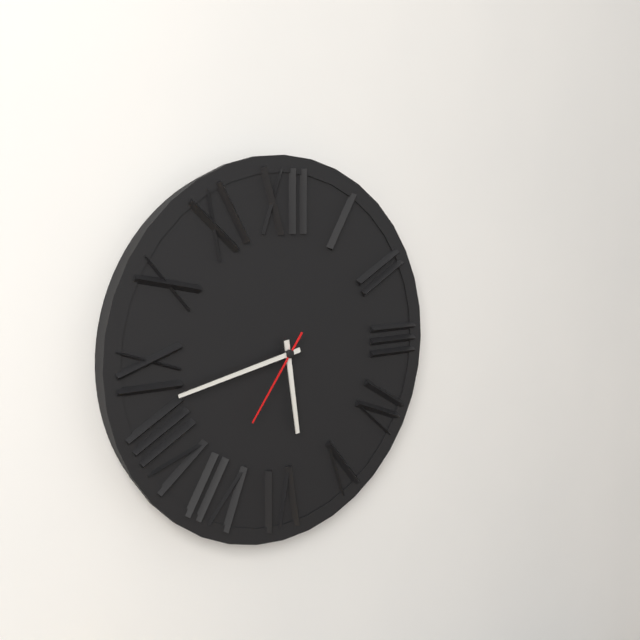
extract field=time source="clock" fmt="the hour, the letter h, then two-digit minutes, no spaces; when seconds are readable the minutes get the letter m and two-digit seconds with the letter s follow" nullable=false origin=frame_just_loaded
5h43m36s
